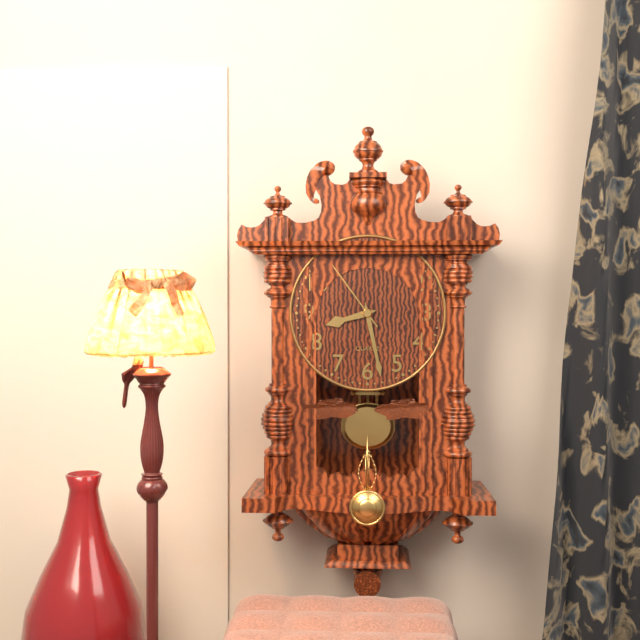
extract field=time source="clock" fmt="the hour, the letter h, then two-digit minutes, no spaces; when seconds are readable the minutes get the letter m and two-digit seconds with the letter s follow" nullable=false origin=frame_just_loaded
8h28m54s
